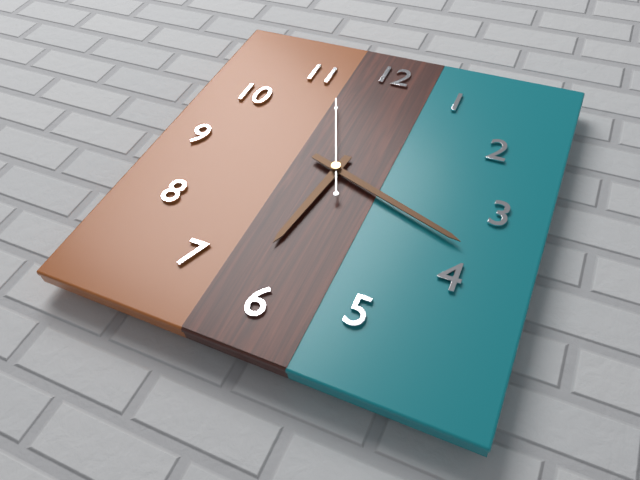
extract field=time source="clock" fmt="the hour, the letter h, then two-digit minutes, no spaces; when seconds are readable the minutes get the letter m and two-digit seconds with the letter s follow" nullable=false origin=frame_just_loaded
6h18m56s
